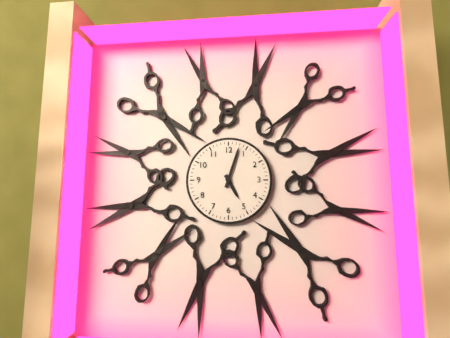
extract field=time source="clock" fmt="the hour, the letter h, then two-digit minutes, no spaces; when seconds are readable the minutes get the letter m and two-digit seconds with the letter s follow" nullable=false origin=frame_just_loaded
5h03
